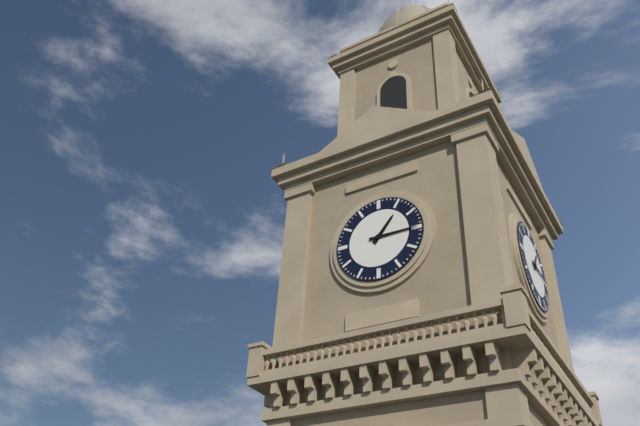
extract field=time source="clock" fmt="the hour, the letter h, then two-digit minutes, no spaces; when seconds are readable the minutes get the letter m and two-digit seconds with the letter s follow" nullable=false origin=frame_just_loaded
1h15
